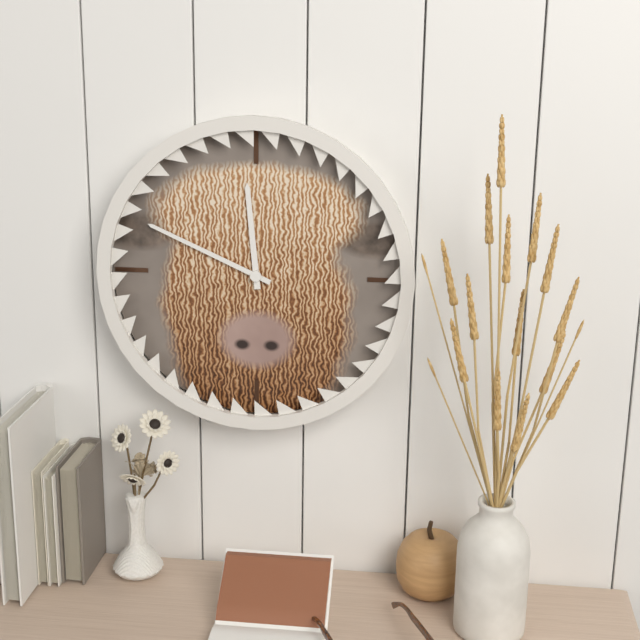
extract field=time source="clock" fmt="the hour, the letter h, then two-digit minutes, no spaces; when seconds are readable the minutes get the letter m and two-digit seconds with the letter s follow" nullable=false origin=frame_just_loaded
11h49
